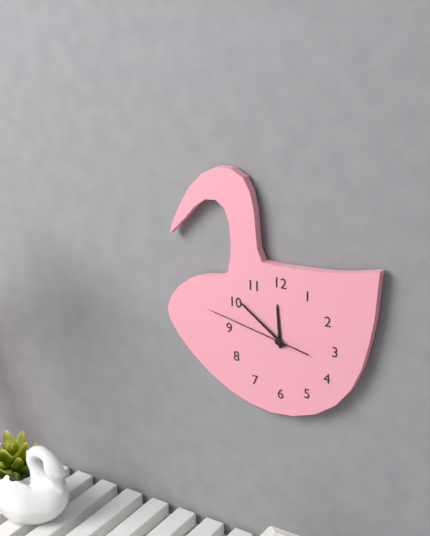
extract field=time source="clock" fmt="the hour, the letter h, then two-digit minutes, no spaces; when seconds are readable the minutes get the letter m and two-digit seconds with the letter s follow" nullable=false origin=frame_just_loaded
11h51m47s
